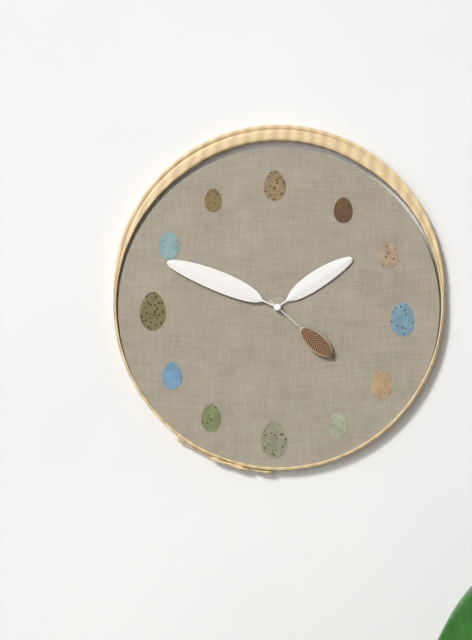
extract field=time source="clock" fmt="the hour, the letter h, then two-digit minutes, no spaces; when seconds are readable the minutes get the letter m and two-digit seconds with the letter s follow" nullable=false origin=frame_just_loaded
1h49m22s
